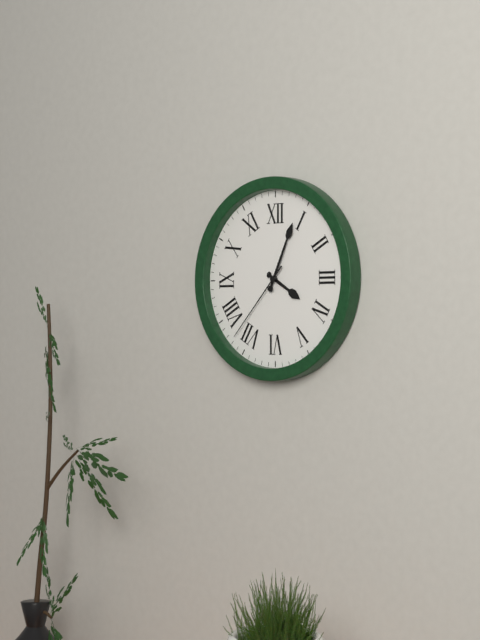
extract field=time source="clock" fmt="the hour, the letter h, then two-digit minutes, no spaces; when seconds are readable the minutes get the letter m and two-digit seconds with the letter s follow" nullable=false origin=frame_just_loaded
4h04m37s
